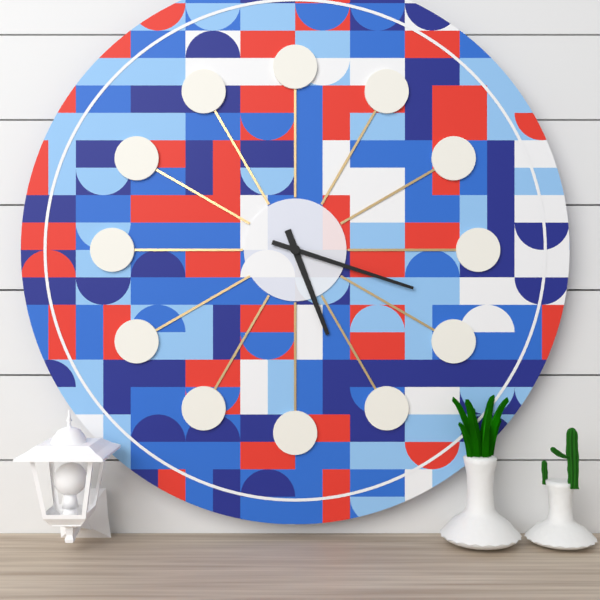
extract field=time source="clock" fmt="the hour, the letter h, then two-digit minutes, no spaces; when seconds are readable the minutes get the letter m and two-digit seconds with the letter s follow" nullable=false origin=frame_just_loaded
5h18
